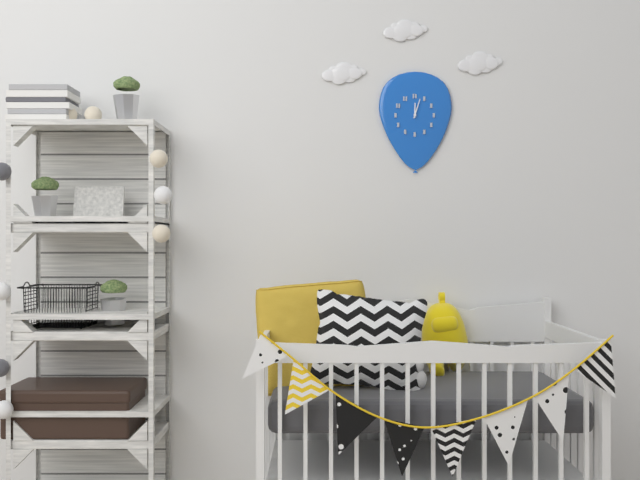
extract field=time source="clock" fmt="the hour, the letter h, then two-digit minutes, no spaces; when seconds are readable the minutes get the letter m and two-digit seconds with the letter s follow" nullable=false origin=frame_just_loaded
12h03
